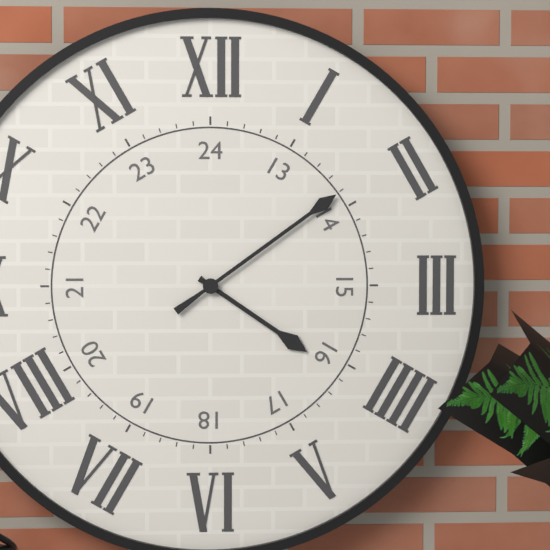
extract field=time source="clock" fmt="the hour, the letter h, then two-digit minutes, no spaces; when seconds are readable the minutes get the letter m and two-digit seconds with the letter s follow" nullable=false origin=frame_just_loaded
4h09
